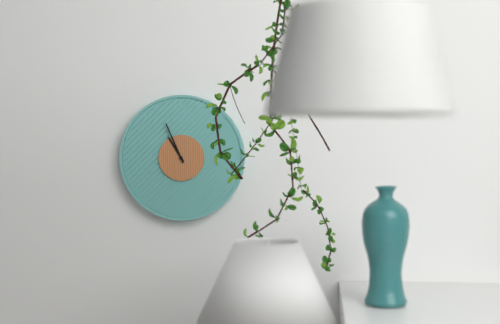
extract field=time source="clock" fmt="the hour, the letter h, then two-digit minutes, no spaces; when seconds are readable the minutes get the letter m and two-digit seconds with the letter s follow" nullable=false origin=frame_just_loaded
10h56
